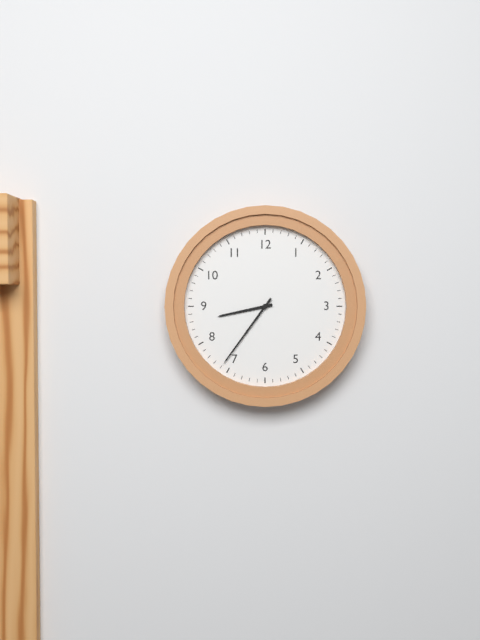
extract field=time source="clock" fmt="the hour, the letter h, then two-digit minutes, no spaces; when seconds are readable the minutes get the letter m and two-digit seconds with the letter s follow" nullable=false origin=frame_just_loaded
8h36
